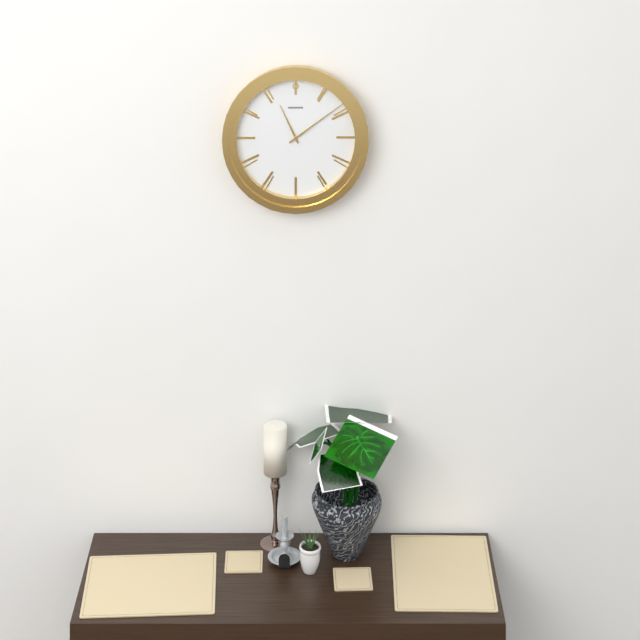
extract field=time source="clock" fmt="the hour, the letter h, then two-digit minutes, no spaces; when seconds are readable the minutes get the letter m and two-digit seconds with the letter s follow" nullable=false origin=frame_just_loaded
11h09
